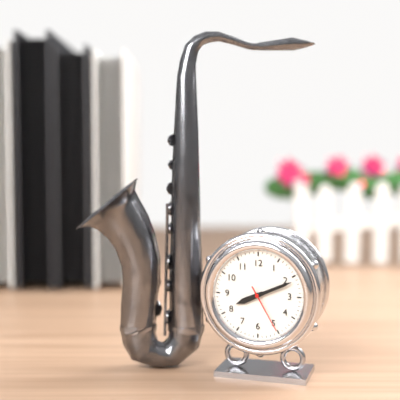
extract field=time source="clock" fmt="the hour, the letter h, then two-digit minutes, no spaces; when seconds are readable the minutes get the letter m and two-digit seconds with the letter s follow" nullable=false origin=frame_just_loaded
8h11m25s
